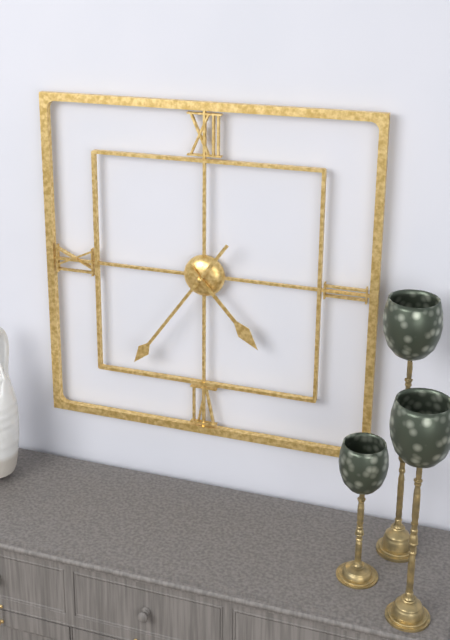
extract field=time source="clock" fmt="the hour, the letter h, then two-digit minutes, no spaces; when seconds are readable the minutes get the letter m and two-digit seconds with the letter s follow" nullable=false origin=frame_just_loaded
4h36
